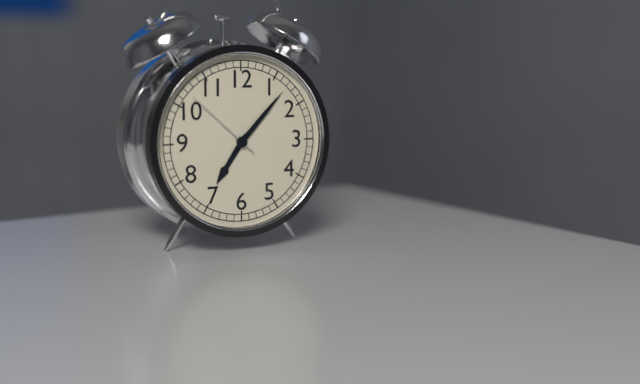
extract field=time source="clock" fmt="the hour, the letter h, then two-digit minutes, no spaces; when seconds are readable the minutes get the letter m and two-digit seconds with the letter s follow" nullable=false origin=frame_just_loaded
7h07m52s
